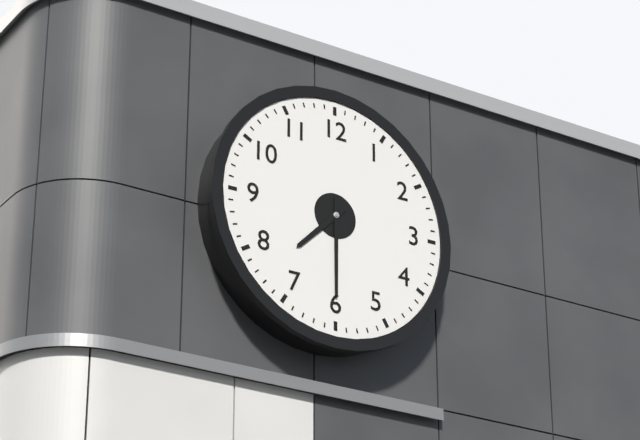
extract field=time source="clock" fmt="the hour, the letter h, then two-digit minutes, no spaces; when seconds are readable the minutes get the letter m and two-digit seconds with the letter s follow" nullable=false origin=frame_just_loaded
7h30
